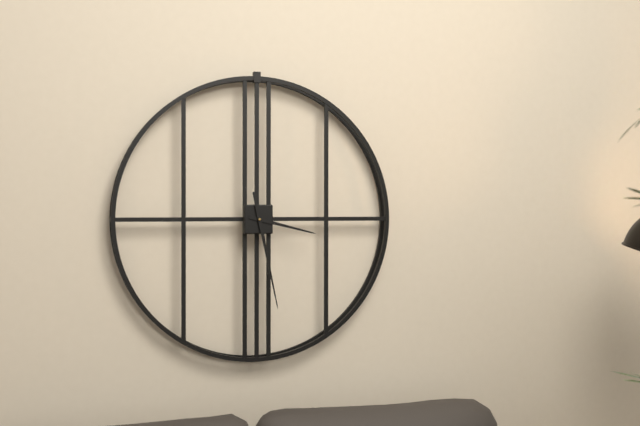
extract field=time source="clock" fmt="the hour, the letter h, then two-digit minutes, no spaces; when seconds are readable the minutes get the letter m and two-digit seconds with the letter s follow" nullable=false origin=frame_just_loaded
3h28
